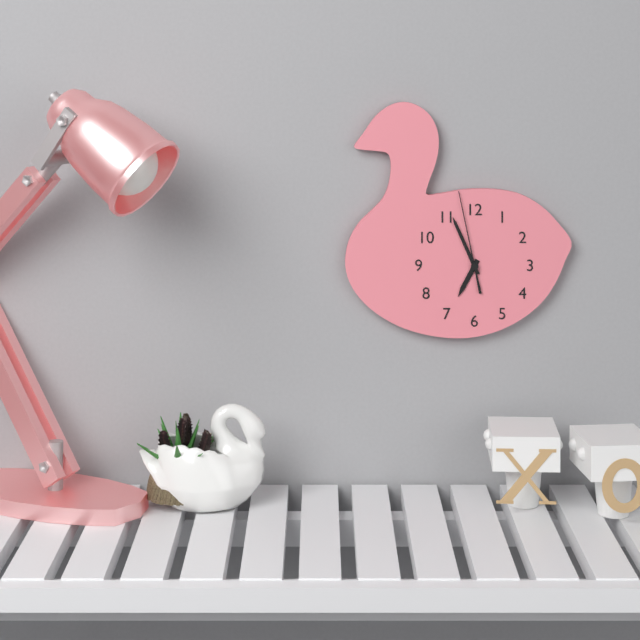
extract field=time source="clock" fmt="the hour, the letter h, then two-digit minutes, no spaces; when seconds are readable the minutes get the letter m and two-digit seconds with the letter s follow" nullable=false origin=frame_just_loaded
6h56m58s
